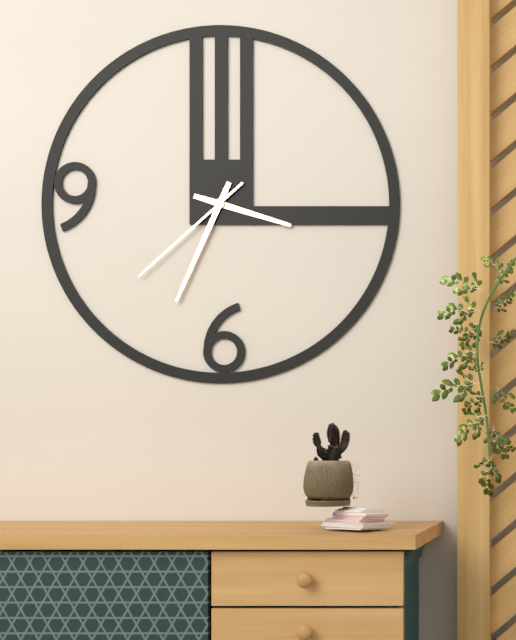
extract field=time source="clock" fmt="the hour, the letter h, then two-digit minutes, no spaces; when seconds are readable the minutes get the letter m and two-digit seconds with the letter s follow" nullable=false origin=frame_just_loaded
3h34m38s
